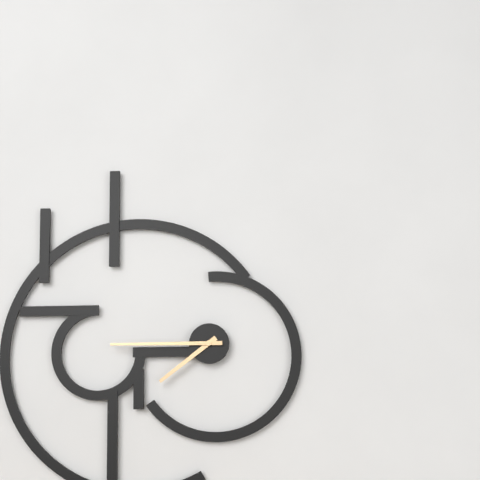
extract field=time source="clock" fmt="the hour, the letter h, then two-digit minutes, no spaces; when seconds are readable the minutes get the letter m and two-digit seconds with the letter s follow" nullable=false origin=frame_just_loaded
7h45
